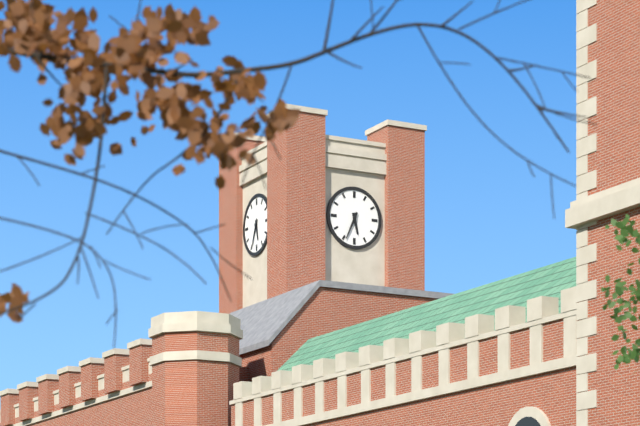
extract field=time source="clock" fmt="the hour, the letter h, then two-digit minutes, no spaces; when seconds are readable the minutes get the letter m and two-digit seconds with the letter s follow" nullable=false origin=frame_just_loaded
5h34
